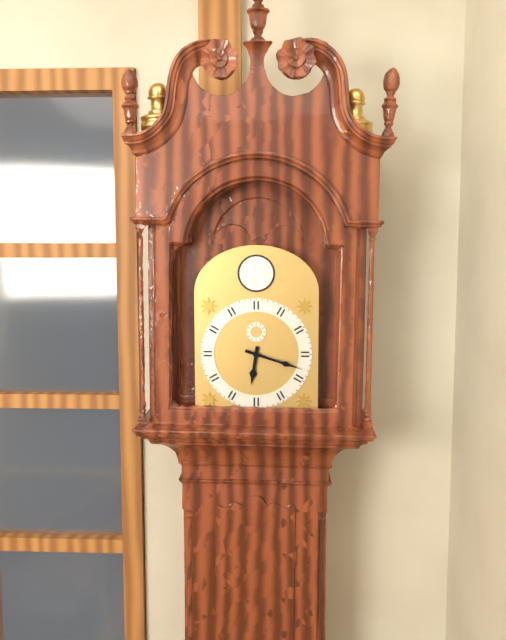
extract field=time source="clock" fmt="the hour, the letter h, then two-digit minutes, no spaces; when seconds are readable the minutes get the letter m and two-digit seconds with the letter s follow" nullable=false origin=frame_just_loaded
6h18
